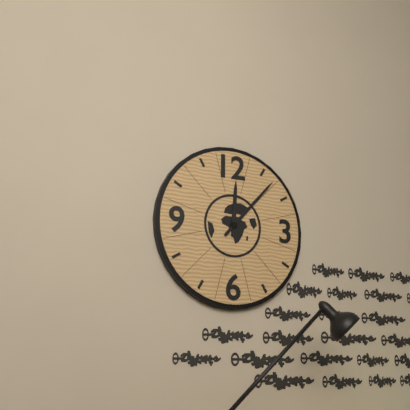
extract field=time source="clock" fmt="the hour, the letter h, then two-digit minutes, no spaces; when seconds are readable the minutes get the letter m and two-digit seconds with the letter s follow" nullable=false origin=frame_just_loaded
12h07
